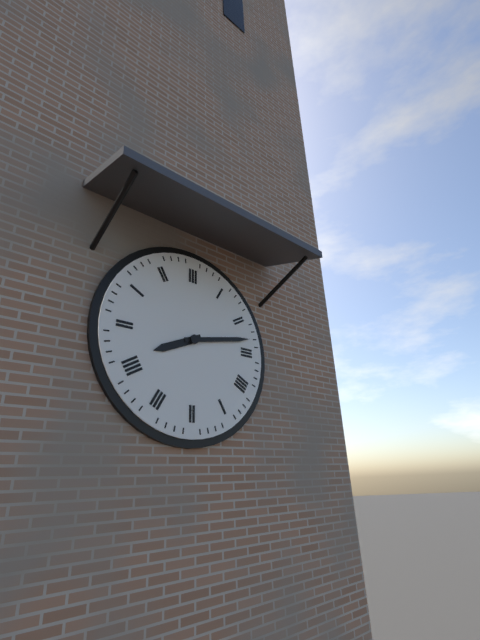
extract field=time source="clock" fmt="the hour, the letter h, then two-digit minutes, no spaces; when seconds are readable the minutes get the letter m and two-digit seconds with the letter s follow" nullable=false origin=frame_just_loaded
8h13
